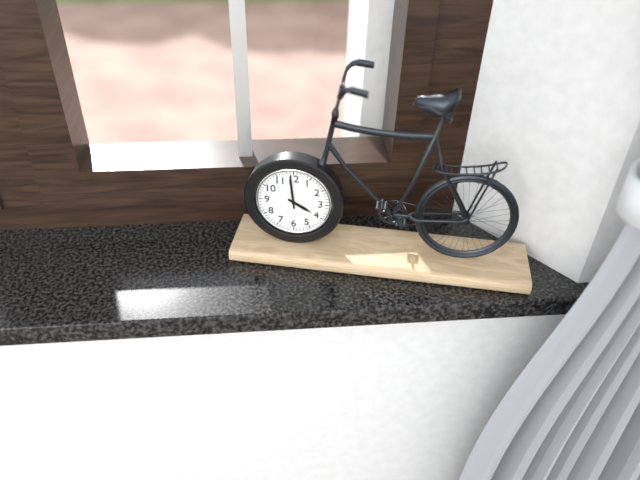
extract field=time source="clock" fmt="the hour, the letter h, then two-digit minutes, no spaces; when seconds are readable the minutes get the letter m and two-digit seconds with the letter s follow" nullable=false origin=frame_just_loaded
3h59
